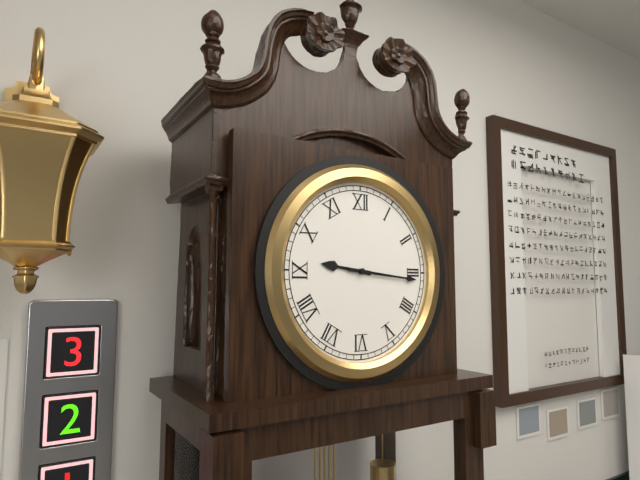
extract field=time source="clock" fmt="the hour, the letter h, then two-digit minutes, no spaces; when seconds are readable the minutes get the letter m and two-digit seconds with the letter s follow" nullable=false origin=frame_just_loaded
9h16
